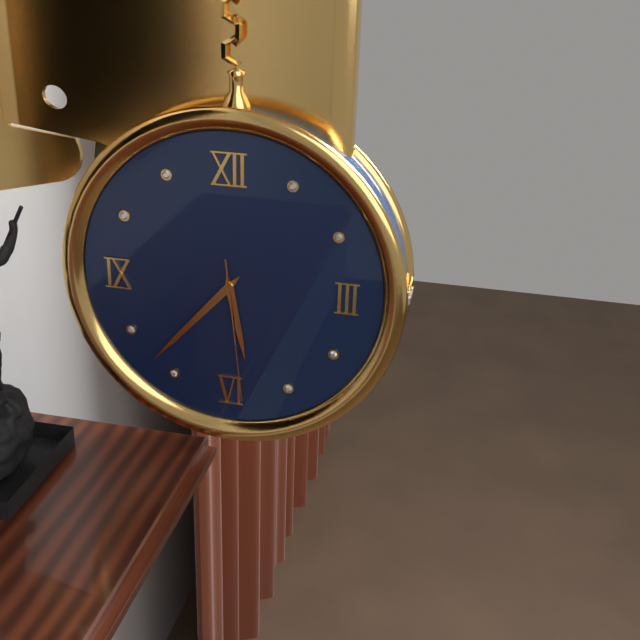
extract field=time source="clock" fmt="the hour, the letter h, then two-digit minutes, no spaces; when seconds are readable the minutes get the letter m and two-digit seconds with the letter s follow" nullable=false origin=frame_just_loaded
5h37m29s
